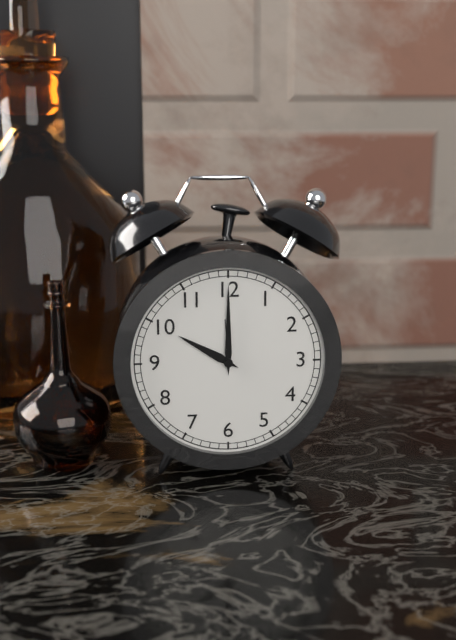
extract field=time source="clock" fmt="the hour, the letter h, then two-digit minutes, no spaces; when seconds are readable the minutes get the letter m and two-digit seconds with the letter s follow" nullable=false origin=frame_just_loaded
10h00
